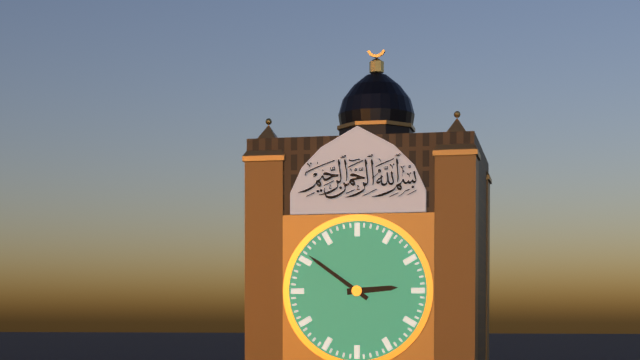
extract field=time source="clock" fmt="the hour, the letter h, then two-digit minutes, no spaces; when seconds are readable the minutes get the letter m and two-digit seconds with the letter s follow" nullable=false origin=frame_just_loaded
2h51
